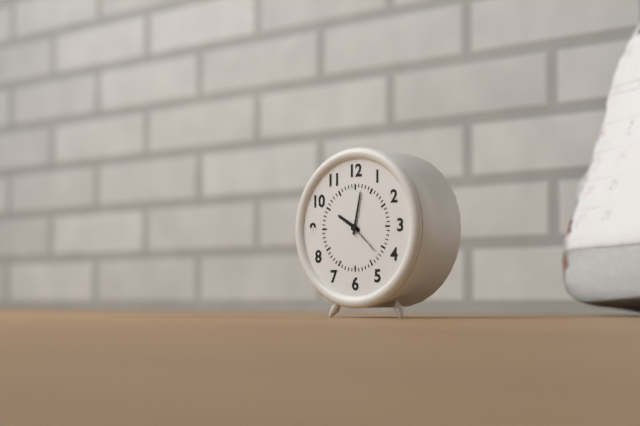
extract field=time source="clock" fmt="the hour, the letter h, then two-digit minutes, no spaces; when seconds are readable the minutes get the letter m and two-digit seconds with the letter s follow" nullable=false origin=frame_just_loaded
10h02
